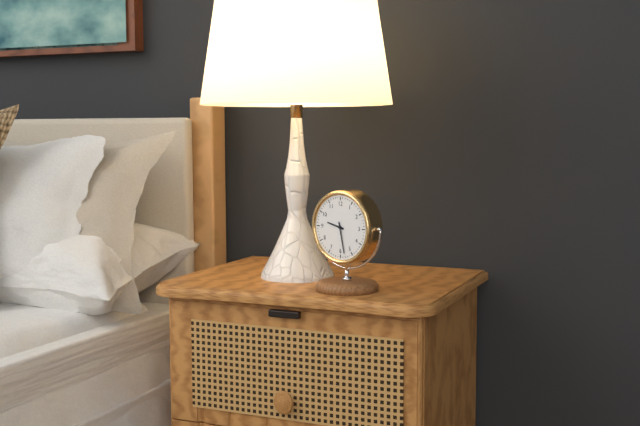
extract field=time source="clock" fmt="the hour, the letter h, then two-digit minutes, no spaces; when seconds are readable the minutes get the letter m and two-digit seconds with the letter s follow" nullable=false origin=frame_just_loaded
9h28
